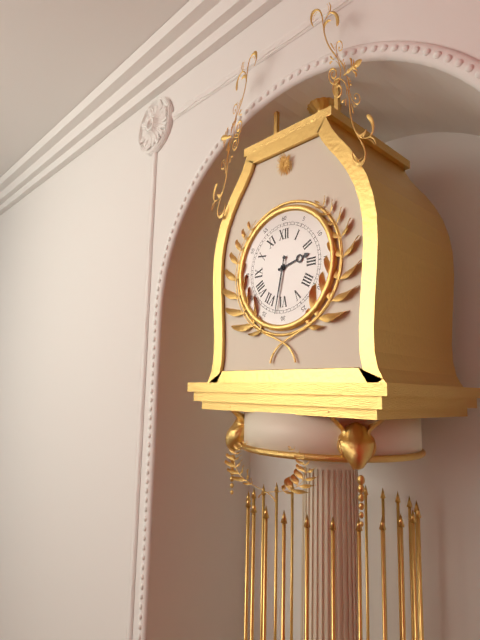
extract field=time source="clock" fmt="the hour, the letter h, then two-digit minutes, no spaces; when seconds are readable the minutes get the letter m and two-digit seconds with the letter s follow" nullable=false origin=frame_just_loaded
2h32
